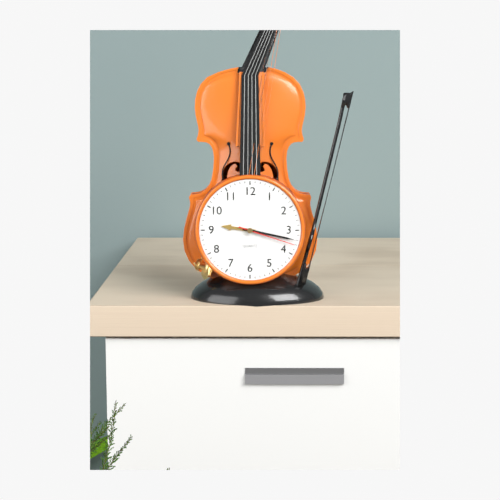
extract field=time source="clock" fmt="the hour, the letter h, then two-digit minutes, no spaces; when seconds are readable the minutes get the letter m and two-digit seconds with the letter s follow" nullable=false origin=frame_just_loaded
9h17m18s
